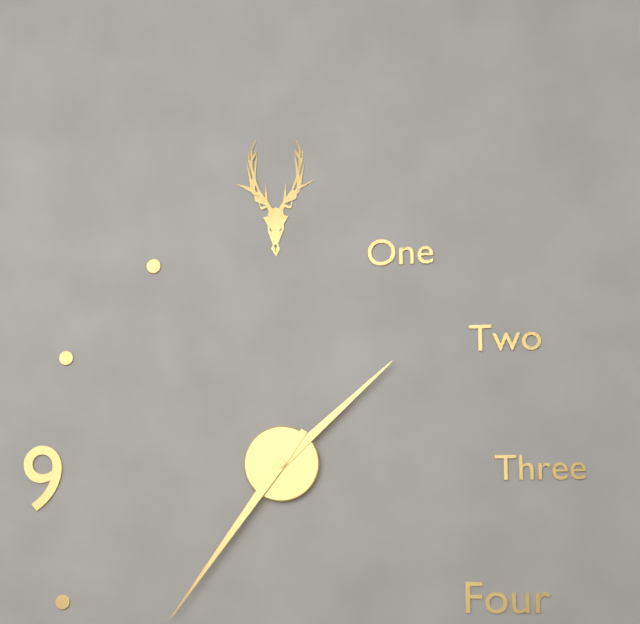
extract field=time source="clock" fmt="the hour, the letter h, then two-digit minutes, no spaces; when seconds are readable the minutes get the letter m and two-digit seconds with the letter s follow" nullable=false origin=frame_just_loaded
1h36
